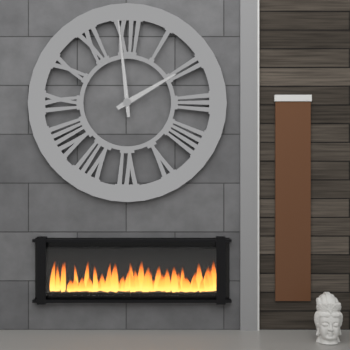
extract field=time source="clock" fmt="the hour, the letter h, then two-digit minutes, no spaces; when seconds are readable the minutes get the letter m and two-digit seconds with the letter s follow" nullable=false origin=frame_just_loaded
1h59
